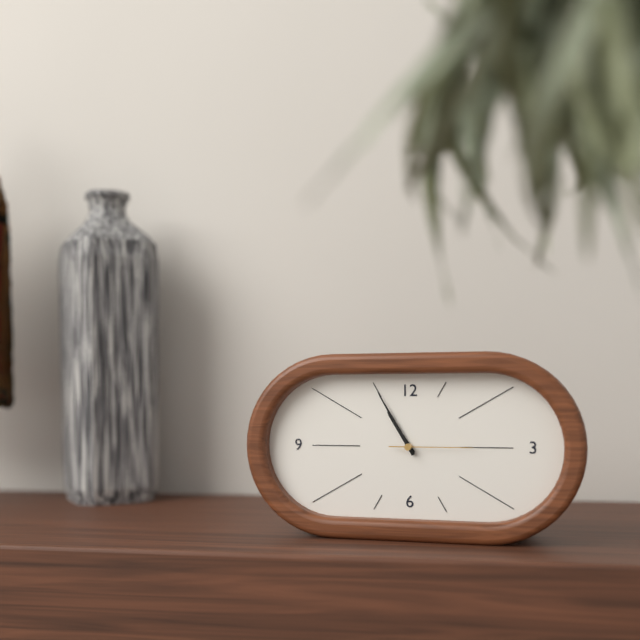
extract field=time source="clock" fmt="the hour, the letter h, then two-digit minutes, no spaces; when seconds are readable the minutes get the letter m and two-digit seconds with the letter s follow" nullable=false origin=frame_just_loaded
10h55m15s
